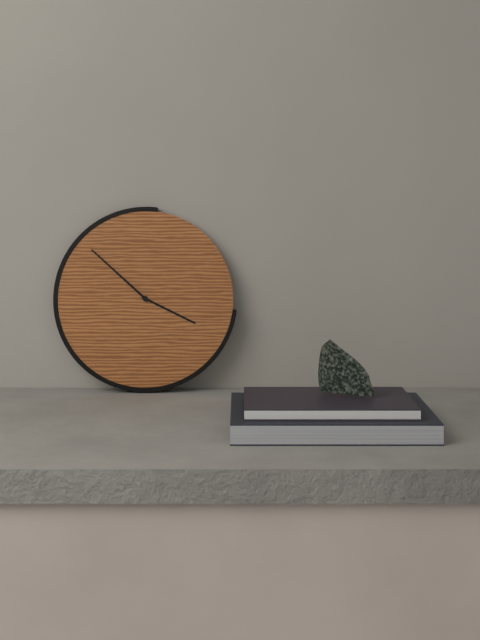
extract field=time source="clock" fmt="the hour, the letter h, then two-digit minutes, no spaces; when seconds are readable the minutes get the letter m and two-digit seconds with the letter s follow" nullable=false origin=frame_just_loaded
3h52
